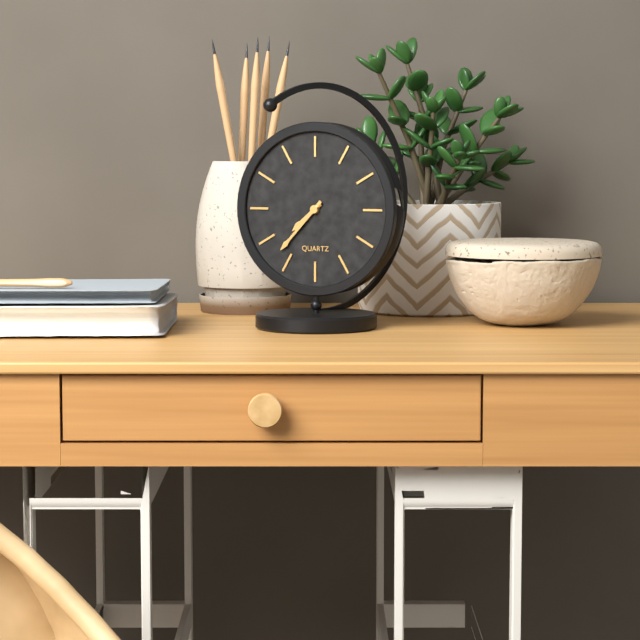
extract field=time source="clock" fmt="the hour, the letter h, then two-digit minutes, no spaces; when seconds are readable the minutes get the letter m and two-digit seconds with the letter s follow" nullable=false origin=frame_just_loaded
7h37
